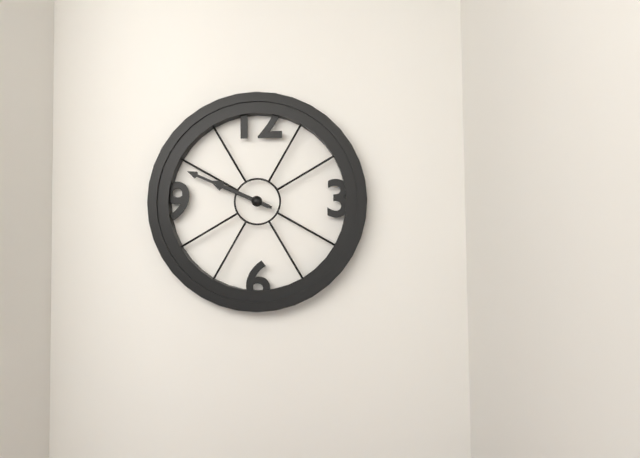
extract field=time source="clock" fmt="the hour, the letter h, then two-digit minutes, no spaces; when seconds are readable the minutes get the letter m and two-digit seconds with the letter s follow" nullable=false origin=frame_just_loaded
9h49
